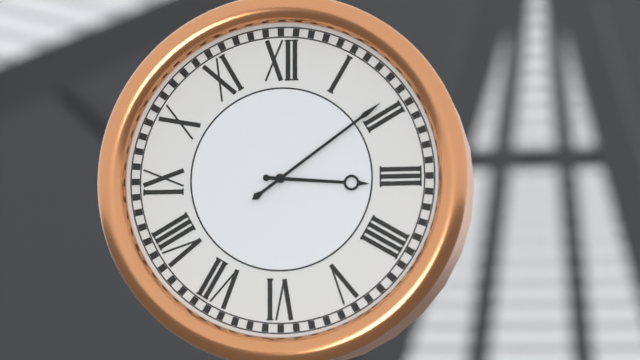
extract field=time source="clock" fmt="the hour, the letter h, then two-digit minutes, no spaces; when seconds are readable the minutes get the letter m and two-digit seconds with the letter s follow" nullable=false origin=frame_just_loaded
3h09
